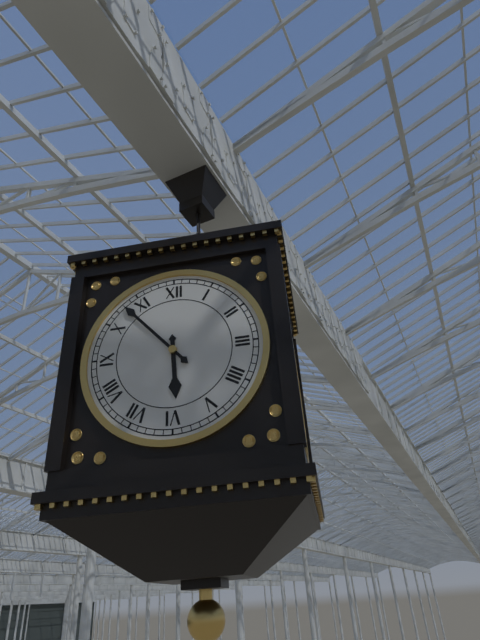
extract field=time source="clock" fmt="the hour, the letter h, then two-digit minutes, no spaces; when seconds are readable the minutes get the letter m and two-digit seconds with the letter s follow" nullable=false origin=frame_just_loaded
5h53
